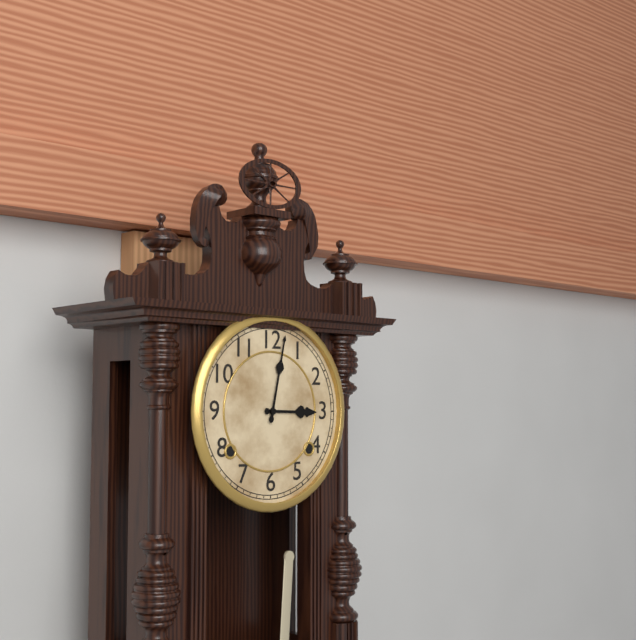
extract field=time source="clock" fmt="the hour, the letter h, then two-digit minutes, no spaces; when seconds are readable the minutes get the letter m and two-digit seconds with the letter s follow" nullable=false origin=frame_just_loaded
3h02
